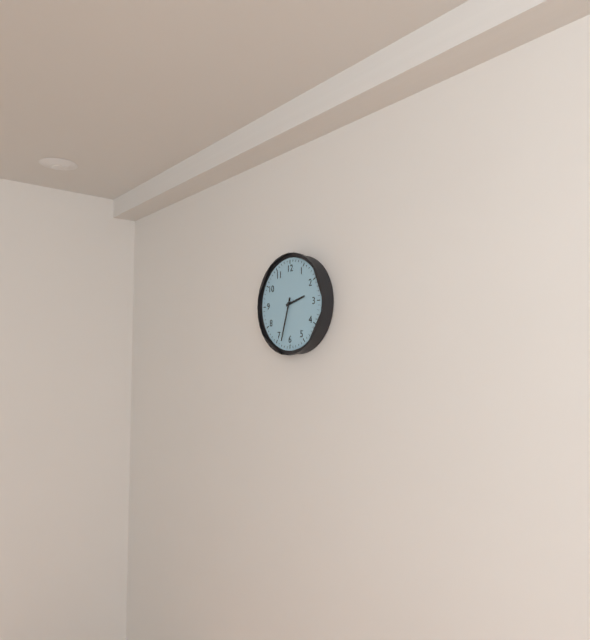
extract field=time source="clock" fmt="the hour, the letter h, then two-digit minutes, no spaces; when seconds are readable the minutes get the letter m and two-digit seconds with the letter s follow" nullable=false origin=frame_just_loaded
2h33
